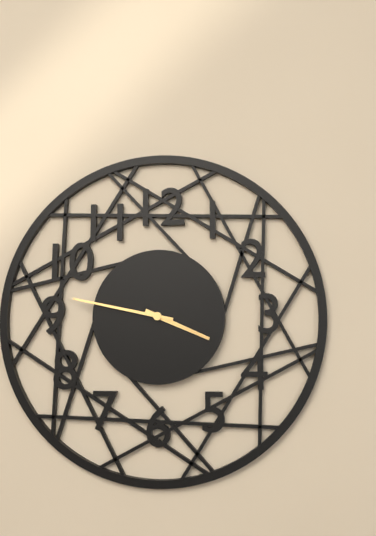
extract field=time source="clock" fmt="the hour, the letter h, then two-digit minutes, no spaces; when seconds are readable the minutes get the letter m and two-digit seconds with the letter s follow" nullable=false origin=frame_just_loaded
3h47
